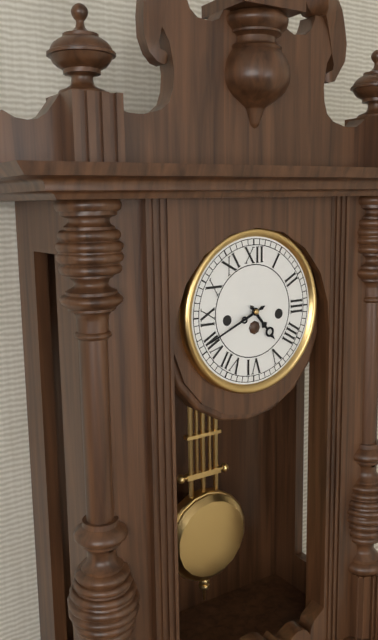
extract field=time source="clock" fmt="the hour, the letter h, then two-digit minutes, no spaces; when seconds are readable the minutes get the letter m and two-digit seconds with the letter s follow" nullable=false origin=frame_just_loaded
4h41
